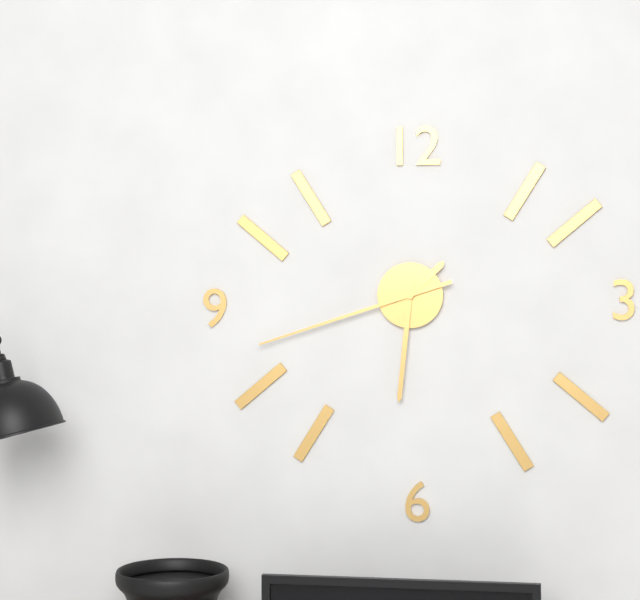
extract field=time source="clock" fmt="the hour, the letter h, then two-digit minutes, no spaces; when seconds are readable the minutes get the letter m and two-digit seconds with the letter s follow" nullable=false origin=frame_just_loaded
1h31m42s
